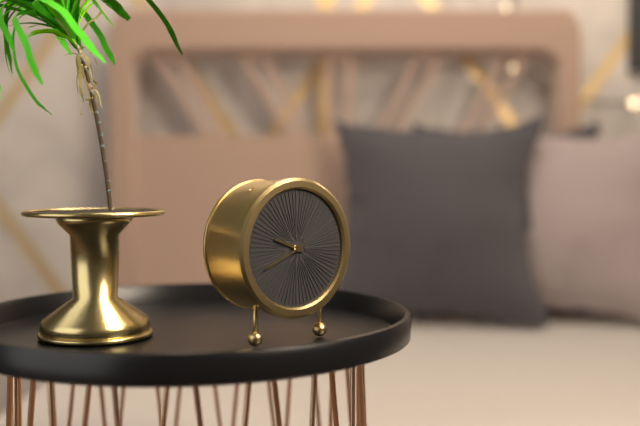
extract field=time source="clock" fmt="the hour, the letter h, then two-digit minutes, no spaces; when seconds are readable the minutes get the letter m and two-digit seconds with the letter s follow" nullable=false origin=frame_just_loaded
9h41
